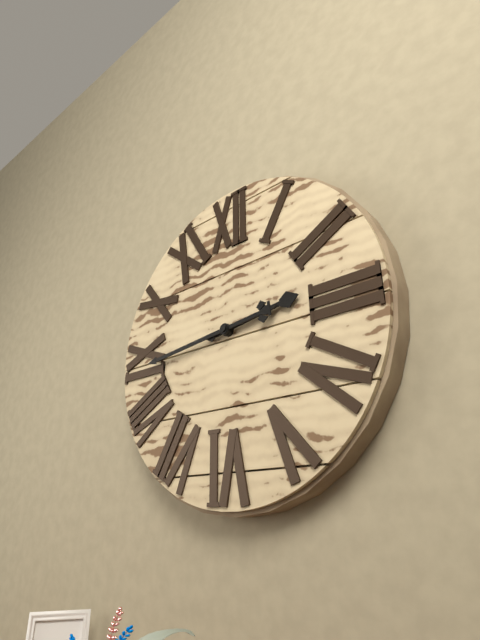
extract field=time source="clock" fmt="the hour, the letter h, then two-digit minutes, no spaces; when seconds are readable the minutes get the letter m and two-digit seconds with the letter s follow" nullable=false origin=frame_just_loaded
2h44
